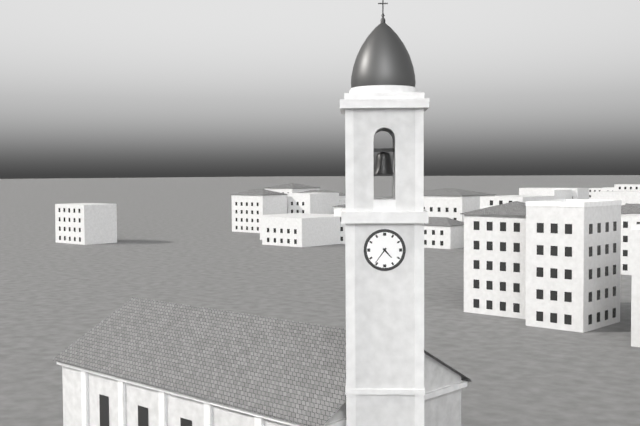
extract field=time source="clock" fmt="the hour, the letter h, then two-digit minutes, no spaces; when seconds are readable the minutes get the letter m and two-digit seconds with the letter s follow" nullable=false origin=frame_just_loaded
4h36
